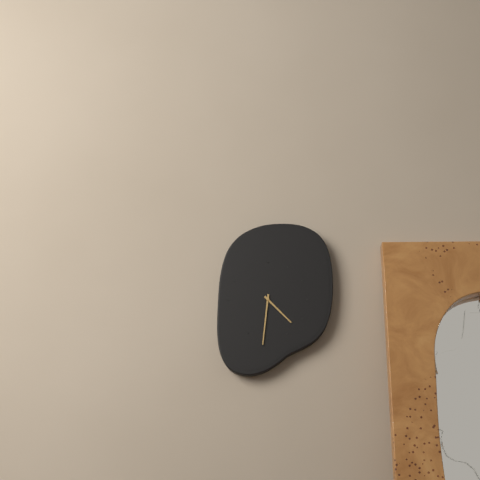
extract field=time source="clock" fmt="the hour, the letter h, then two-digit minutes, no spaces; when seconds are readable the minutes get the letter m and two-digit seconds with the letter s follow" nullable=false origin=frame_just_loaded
4h31
